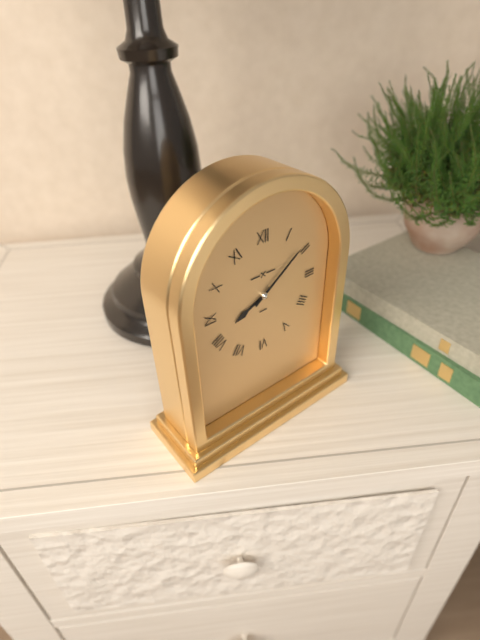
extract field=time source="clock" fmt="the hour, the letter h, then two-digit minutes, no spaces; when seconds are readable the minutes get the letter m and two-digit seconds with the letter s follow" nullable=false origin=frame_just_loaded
8h09
